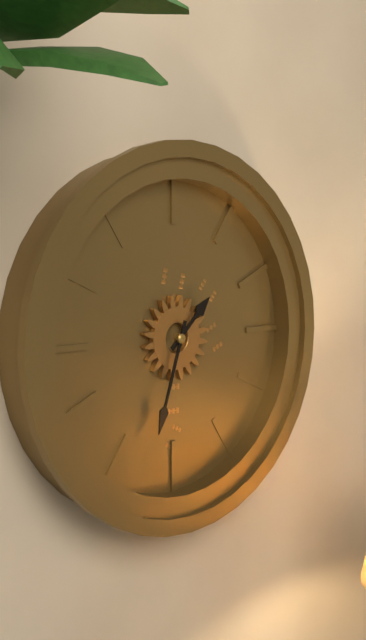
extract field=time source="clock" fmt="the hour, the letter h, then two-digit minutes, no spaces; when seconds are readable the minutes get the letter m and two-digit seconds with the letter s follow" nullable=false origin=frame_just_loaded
1h33
